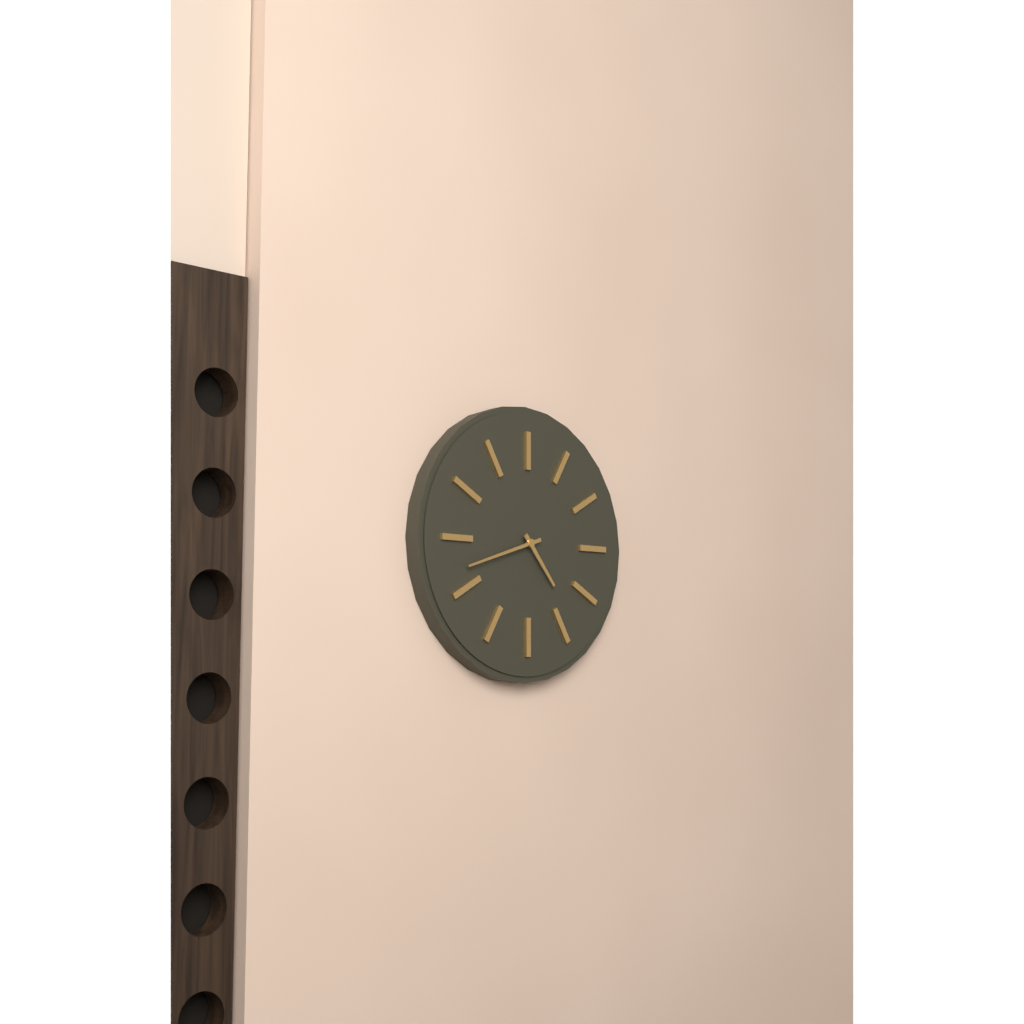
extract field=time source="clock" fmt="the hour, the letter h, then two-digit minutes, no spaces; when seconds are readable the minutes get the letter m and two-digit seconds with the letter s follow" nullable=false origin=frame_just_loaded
4h42
